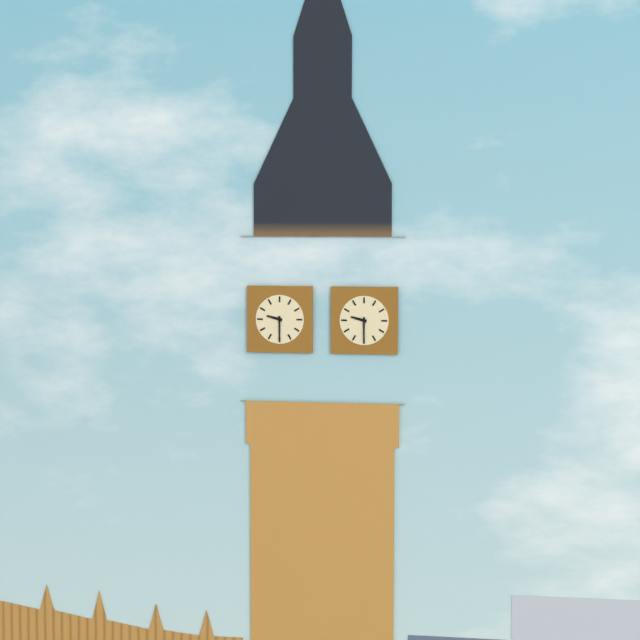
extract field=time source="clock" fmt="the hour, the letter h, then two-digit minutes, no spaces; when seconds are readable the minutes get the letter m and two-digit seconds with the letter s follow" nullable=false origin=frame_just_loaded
9h30
